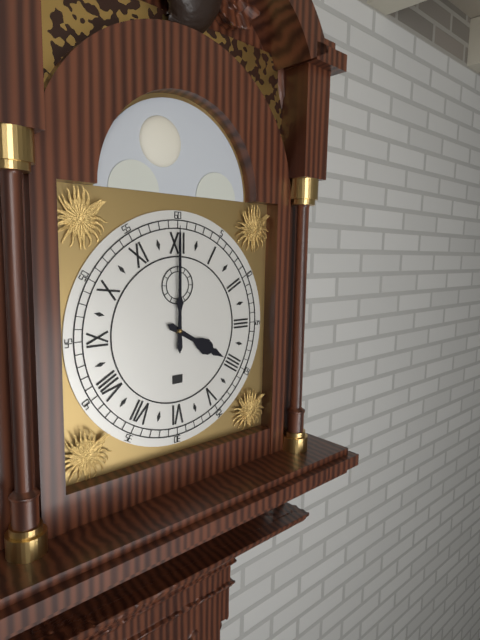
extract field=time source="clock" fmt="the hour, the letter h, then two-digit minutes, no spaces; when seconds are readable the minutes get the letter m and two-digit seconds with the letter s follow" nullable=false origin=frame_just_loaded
4h00
